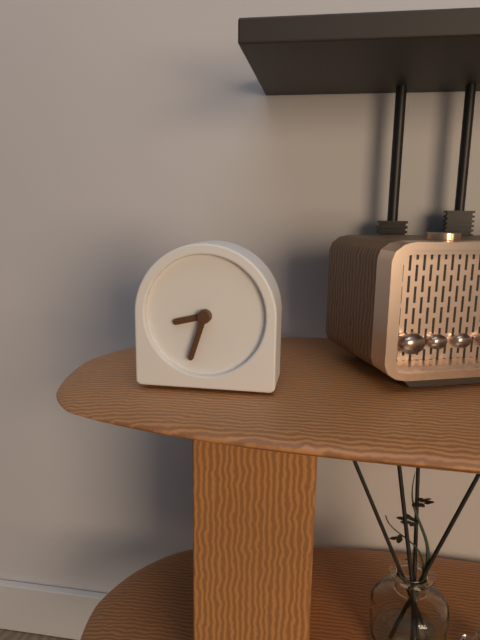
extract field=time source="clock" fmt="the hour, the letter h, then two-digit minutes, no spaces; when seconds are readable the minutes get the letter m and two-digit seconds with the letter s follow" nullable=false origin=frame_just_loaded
8h33
